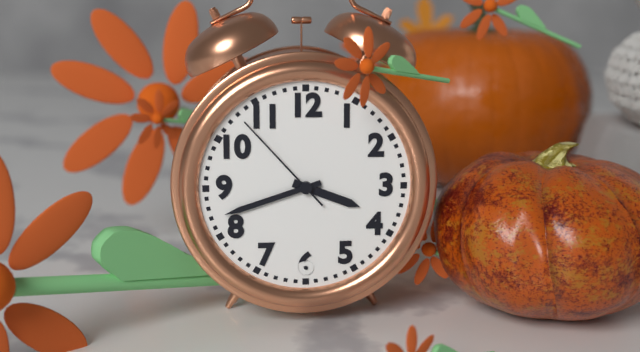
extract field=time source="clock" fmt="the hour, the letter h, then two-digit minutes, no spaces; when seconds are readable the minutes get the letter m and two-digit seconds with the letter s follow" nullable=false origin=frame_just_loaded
3h42m53s
